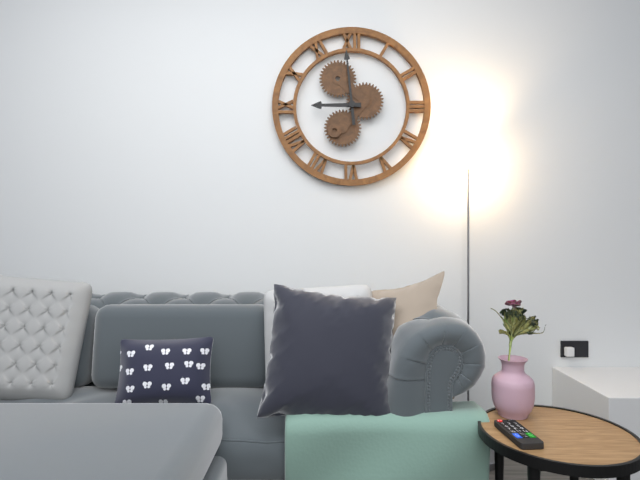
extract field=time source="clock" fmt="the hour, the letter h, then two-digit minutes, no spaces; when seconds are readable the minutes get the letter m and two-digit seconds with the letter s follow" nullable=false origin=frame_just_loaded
8h59
